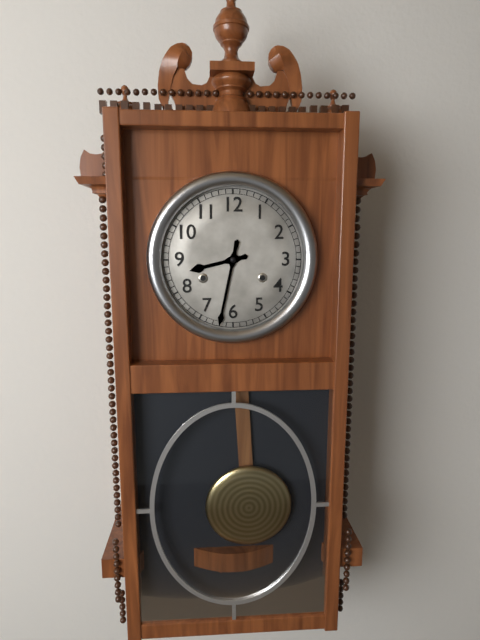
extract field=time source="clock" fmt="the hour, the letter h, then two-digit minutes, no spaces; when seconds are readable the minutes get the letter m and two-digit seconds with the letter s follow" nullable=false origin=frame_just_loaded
8h32
